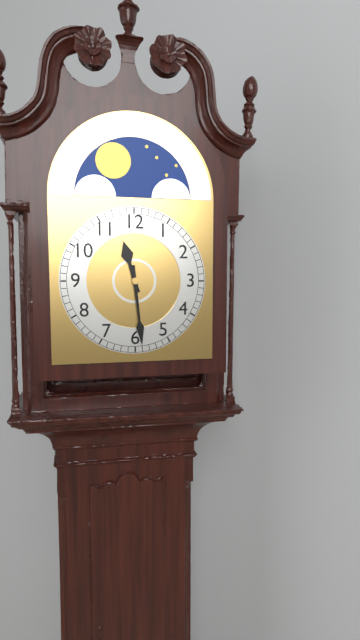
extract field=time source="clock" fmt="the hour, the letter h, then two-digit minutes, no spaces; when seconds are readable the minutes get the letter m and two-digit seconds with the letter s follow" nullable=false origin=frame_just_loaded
11h29
